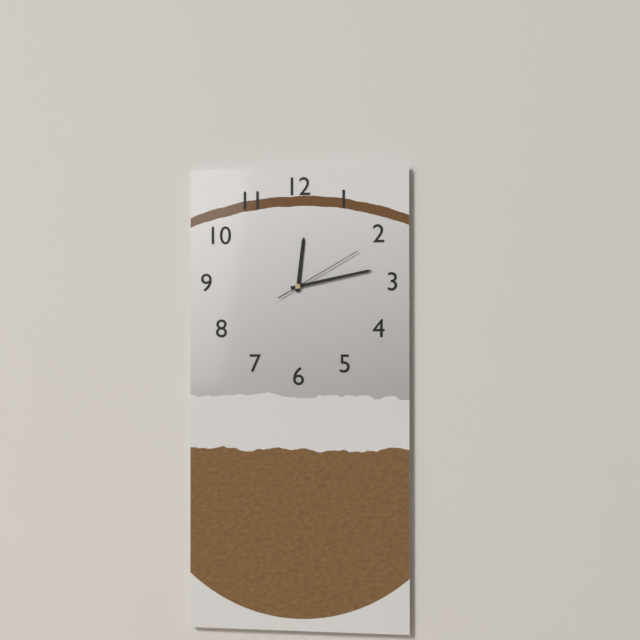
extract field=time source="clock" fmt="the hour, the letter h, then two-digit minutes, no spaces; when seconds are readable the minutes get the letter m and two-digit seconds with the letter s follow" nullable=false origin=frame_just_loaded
12h13m10s
